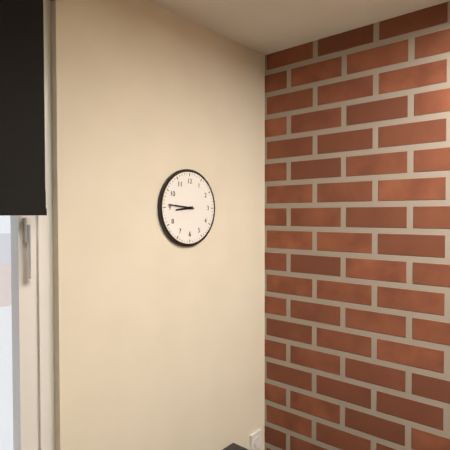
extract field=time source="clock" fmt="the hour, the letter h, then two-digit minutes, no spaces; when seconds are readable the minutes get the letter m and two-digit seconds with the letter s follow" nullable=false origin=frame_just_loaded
8h46
